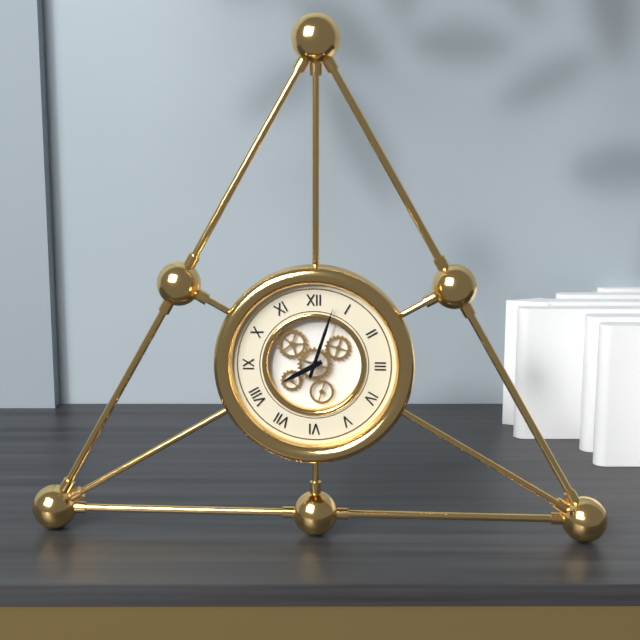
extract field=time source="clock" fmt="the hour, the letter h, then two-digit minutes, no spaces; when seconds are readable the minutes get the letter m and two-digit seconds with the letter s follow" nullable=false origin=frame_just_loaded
8h03
